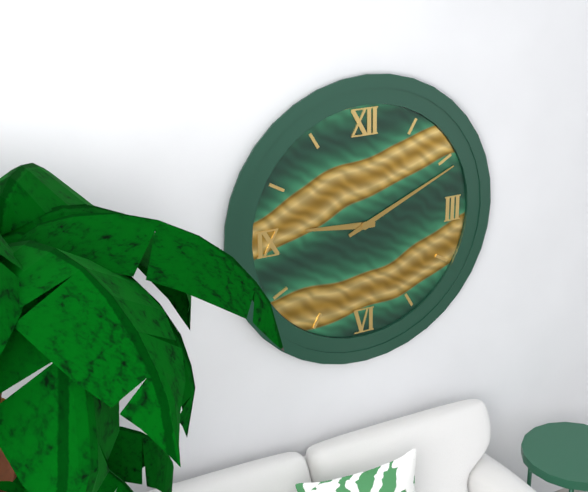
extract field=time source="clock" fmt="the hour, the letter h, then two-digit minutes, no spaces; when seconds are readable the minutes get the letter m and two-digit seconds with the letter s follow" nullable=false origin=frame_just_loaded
9h11
